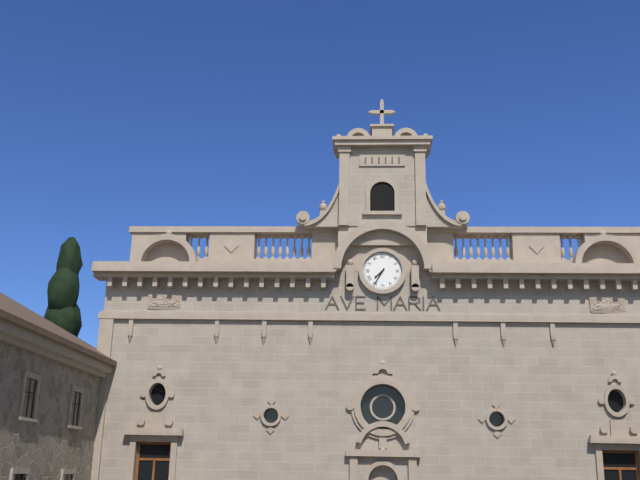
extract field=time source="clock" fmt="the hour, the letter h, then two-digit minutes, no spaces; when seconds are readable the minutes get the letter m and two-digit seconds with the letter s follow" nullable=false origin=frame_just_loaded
7h35
